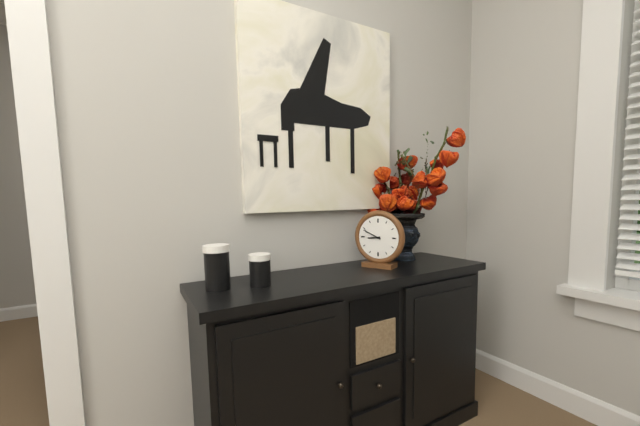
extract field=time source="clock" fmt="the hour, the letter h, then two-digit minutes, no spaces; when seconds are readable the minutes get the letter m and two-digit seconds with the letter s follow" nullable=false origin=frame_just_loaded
8h49
